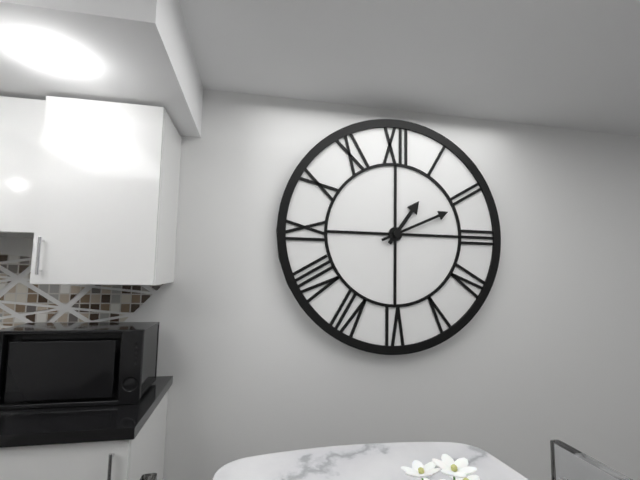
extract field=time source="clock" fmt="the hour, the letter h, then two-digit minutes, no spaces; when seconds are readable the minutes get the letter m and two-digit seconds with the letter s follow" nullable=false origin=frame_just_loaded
1h11
